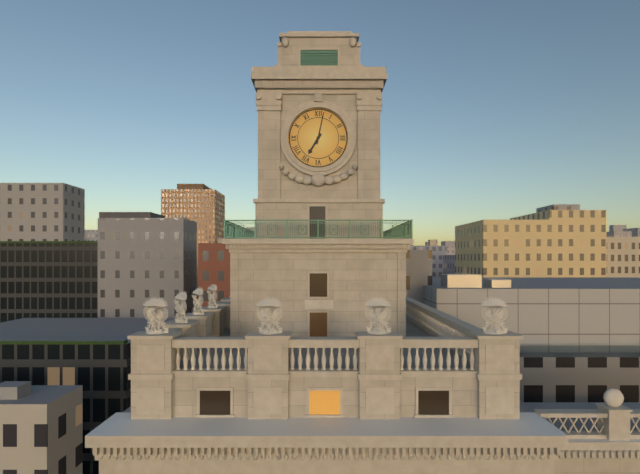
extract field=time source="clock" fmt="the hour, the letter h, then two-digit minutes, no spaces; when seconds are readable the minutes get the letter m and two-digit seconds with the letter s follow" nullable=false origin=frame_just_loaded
7h02
